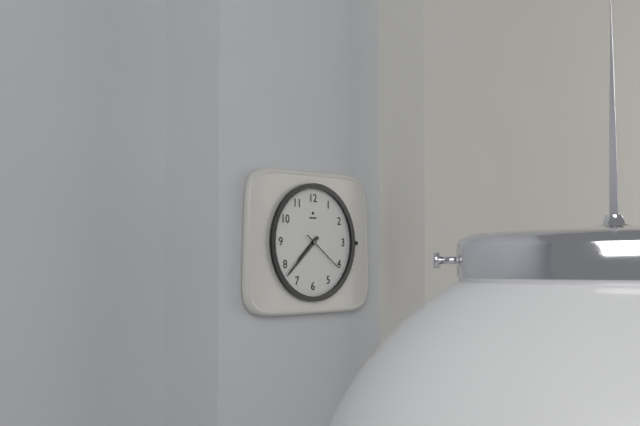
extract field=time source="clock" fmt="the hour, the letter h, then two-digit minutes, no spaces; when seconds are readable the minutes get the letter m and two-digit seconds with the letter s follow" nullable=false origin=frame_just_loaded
7h38
